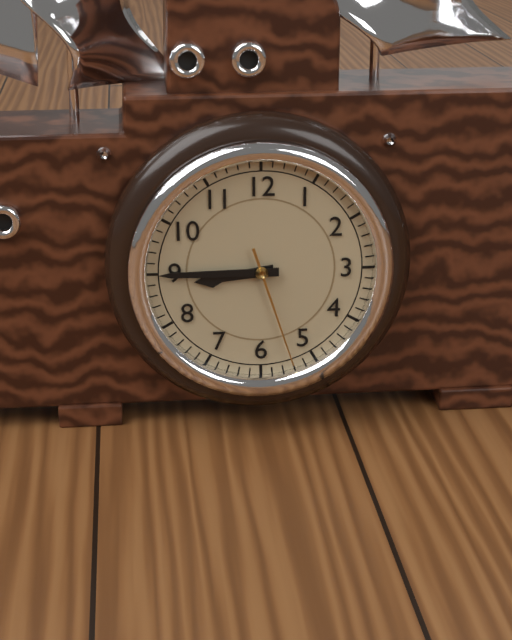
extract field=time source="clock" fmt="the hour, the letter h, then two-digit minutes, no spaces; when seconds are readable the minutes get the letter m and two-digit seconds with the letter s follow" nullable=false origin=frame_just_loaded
8h45m27s
